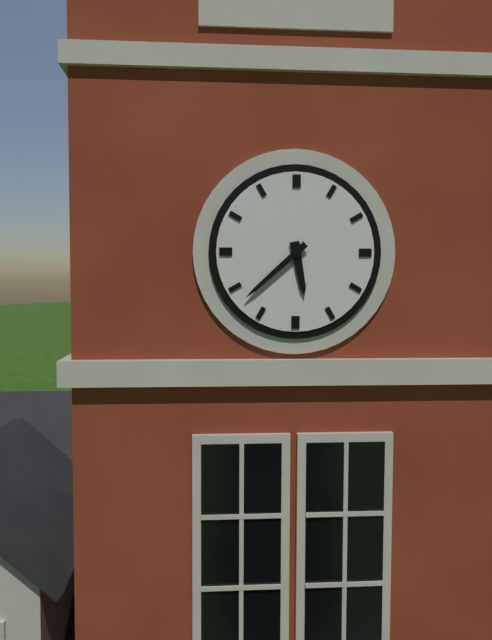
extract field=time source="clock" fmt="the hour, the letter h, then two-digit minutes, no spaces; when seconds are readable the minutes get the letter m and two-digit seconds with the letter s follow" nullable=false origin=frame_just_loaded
5h38
